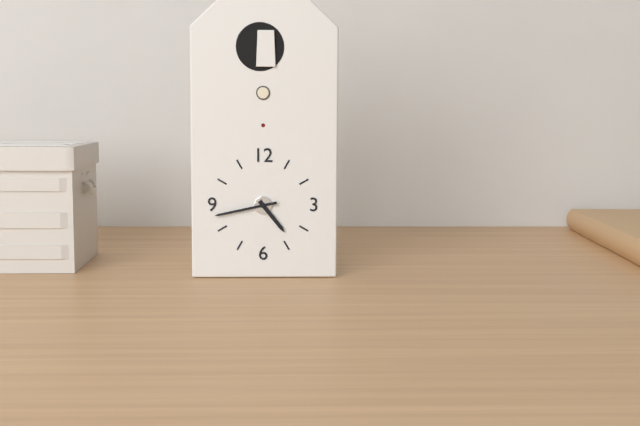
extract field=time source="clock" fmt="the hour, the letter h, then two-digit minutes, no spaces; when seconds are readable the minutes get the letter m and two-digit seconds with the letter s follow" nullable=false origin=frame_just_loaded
4h43
